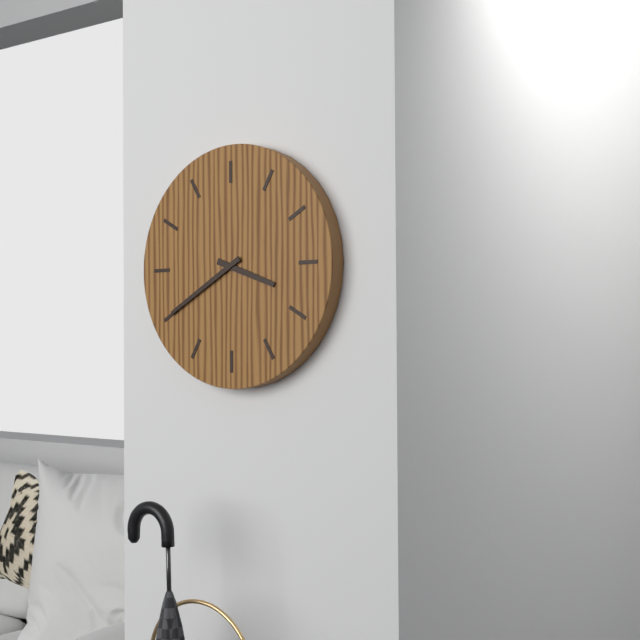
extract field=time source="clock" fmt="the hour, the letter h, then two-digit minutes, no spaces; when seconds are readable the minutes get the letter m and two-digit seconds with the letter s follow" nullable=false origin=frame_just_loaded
3h40
